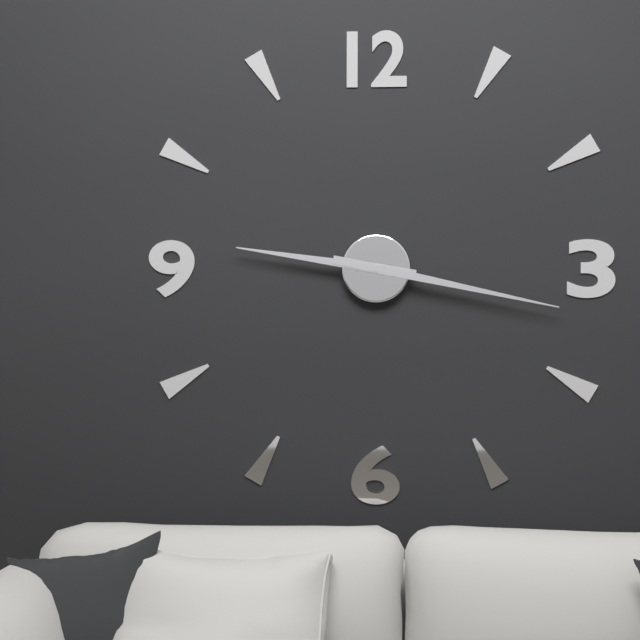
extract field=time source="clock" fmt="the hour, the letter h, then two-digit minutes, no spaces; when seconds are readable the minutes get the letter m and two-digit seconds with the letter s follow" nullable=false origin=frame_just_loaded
9h17
